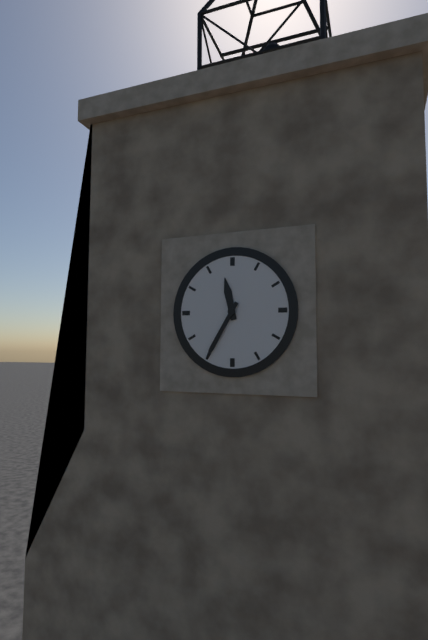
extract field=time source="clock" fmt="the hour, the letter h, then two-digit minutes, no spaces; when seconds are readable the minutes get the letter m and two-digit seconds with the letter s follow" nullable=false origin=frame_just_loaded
11h35
